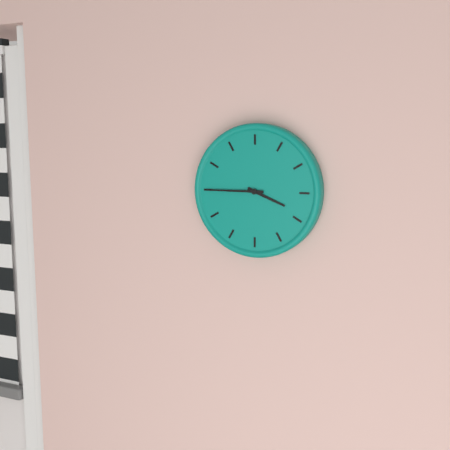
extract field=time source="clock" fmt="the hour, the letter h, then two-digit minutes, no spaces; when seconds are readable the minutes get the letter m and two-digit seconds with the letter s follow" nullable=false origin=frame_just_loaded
3h45
